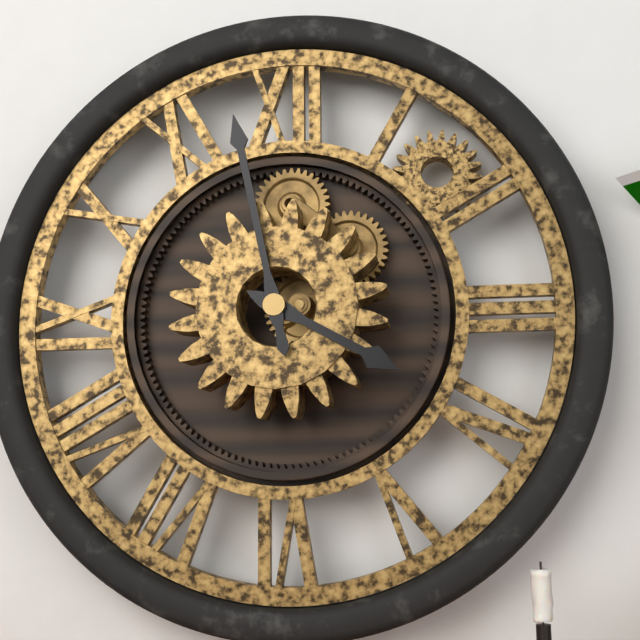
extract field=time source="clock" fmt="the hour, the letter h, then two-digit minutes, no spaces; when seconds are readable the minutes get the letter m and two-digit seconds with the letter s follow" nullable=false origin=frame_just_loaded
3h58
